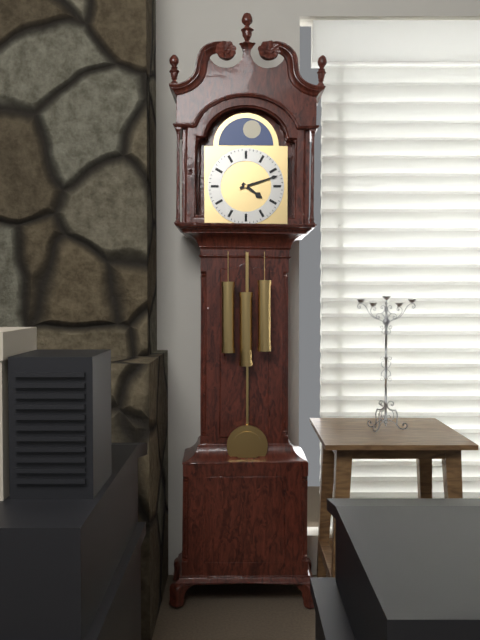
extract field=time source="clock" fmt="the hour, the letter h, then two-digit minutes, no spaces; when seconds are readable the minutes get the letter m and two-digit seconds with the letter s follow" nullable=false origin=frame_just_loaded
4h12
